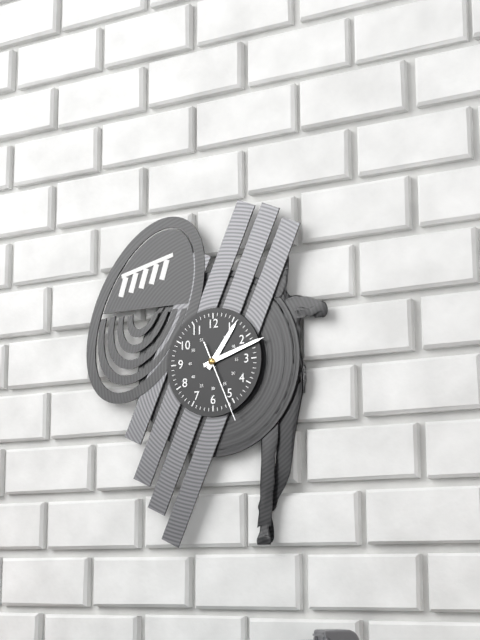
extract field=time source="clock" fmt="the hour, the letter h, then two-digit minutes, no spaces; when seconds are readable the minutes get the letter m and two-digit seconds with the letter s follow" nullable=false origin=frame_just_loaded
1h12m26s
